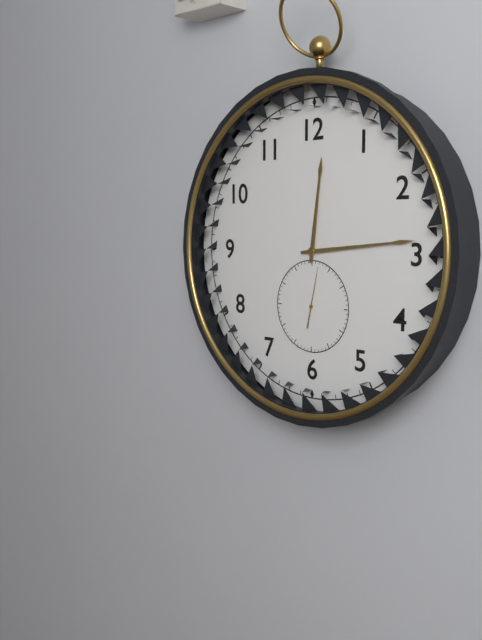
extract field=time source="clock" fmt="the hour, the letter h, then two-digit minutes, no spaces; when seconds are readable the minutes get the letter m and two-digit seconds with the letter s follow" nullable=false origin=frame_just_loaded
12h14m02s
